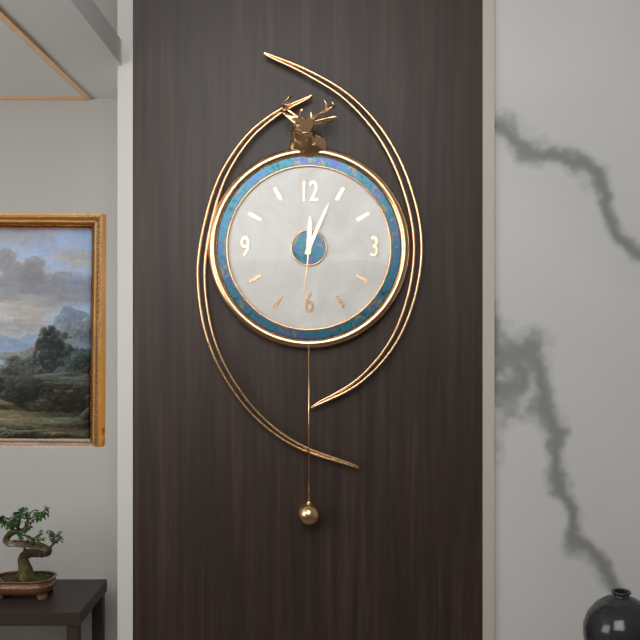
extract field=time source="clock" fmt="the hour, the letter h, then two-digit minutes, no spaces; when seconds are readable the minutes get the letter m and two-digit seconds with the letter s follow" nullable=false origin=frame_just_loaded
12h04m31s
